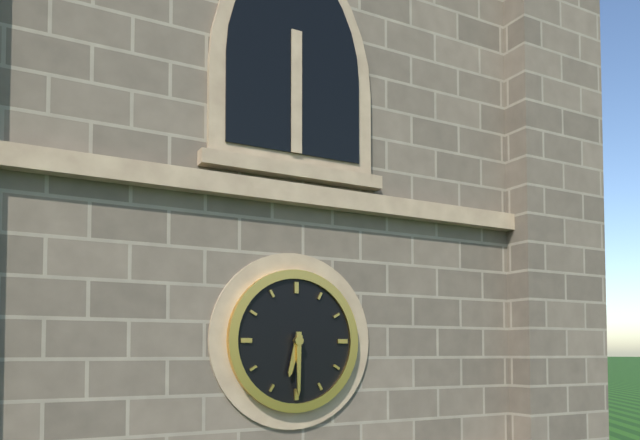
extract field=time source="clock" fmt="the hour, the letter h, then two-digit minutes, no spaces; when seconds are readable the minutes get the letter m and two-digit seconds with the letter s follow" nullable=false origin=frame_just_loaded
6h30
